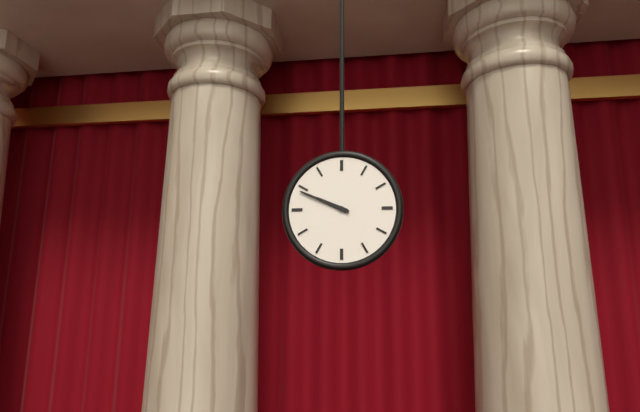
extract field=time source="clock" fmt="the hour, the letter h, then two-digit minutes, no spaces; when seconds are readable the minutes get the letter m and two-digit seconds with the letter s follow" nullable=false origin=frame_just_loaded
9h49
